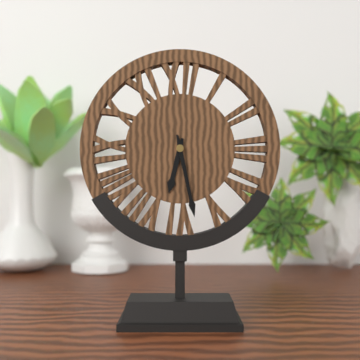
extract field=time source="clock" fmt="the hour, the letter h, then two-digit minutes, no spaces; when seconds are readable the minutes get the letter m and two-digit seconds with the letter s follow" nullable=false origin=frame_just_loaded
6h28
